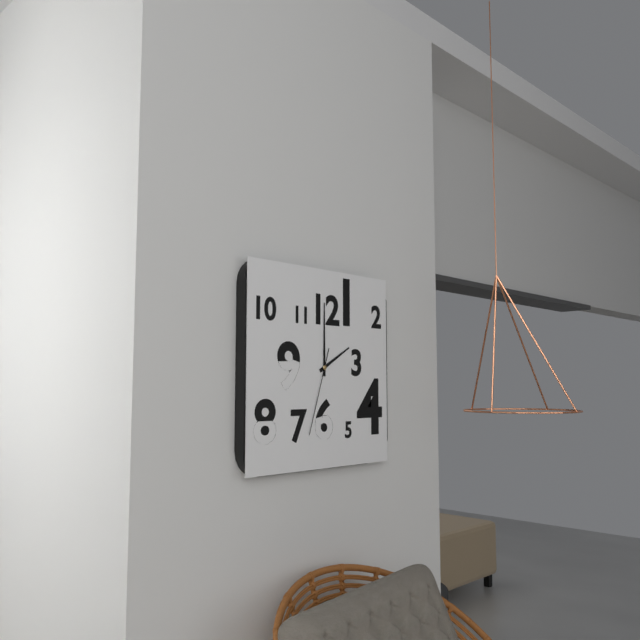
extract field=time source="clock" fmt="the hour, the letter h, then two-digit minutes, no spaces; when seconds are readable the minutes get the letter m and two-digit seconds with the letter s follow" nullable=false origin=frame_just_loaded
2h00m33s
